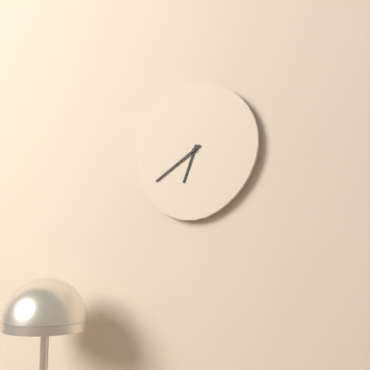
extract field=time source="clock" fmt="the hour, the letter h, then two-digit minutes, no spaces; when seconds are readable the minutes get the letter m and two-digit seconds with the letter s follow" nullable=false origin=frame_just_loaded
6h39
